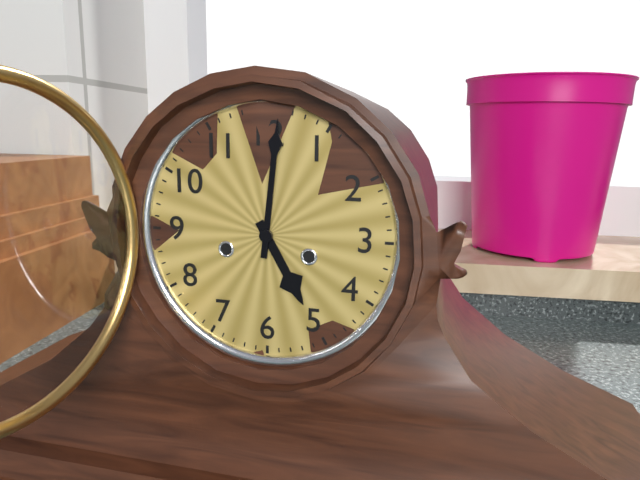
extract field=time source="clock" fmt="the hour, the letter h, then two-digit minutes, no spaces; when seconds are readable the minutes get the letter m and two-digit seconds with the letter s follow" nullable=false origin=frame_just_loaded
5h01
